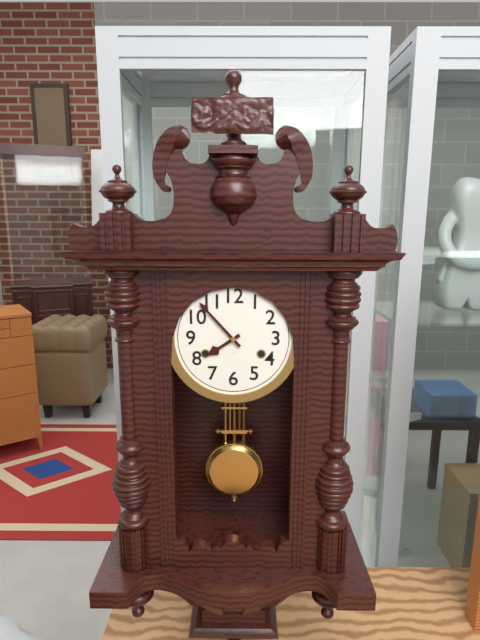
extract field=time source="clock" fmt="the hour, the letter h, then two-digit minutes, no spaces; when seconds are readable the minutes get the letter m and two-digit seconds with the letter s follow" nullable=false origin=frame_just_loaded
7h53
